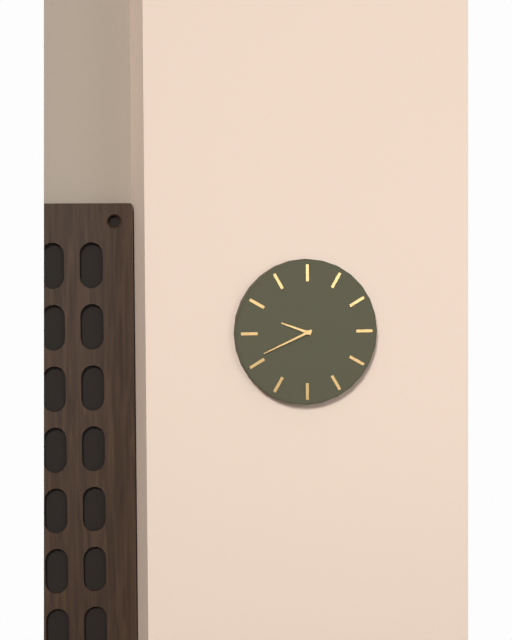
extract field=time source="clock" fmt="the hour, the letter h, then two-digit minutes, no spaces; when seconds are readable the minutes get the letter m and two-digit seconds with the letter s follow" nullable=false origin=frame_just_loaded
9h41
